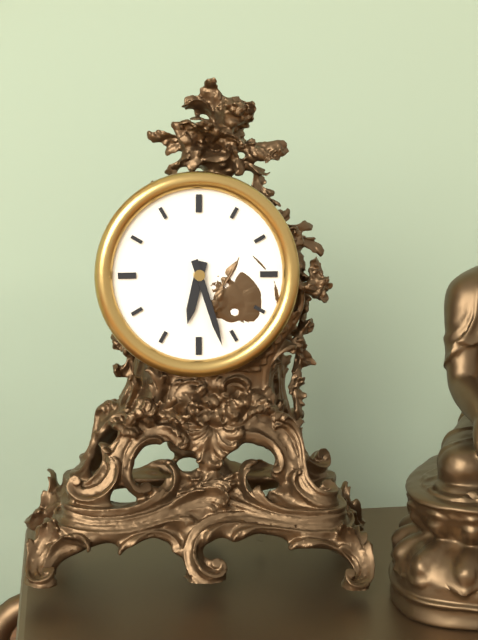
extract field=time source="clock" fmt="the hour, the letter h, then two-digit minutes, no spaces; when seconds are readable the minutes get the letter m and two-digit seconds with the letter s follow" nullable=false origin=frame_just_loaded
6h27
